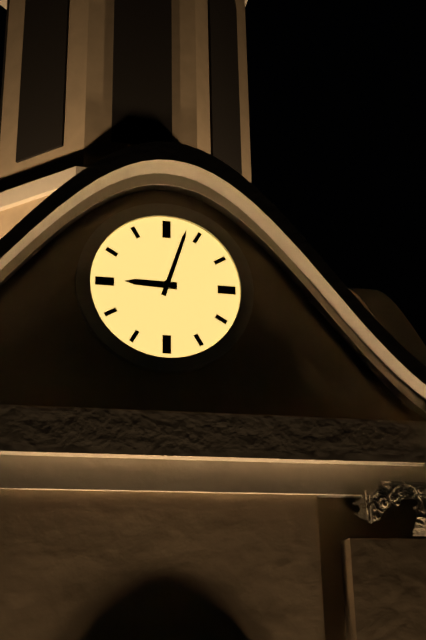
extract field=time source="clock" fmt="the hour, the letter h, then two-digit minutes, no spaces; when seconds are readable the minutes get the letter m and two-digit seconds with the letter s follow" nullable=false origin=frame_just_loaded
9h03
